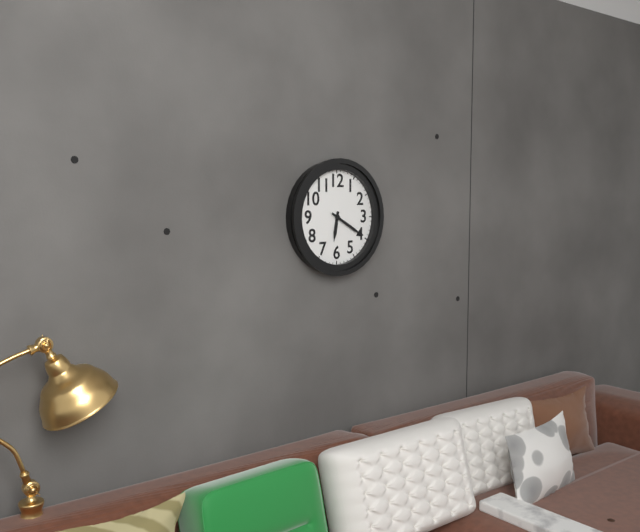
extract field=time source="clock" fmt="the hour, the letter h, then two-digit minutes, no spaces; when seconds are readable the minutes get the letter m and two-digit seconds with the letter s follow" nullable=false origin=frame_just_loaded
6h20
